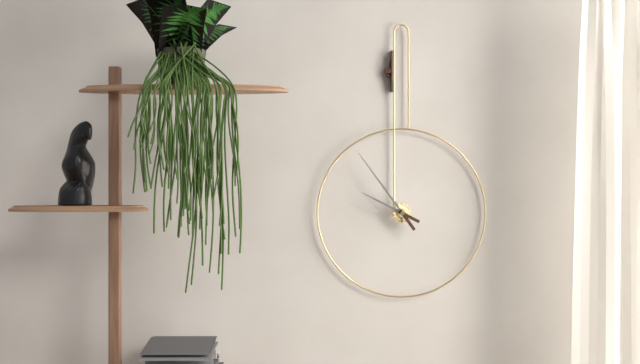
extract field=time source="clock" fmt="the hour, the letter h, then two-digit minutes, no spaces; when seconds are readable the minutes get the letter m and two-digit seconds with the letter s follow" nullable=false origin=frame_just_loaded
9h54
